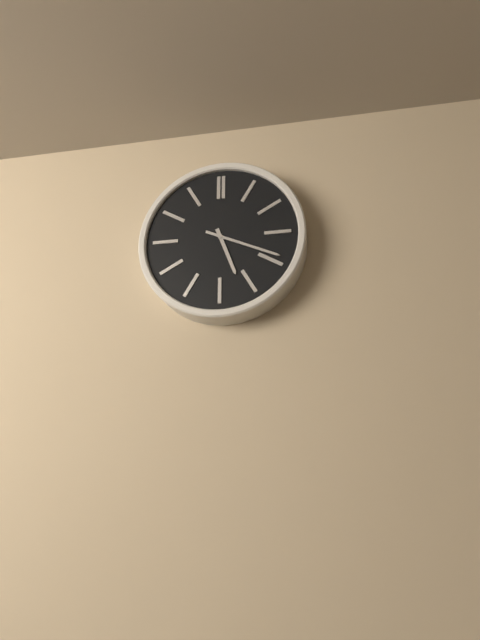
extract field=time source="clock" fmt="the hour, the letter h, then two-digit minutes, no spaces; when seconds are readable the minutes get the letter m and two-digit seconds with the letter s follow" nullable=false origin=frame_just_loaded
5h19
